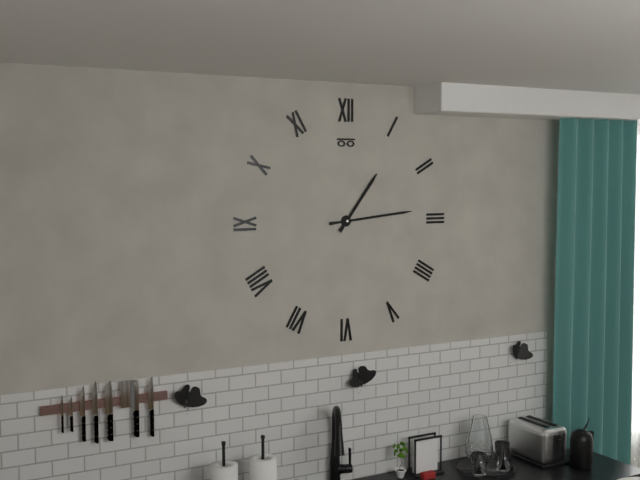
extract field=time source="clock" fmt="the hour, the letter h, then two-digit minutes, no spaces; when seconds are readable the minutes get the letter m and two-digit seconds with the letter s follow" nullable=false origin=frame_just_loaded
1h14
